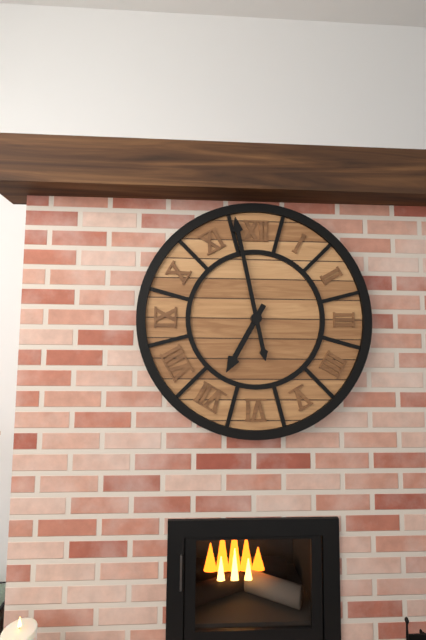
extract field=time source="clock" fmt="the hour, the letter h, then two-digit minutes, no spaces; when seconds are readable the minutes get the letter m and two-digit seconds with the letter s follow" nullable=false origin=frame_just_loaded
6h58
